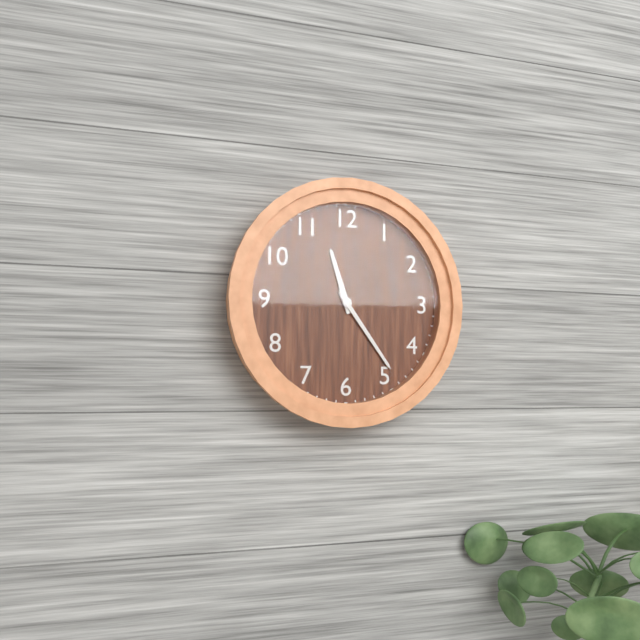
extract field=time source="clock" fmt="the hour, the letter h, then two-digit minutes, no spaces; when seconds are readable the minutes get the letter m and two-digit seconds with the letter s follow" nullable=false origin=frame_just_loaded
11h24
